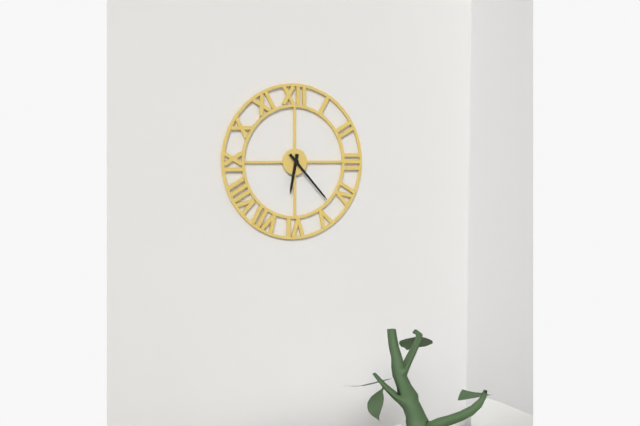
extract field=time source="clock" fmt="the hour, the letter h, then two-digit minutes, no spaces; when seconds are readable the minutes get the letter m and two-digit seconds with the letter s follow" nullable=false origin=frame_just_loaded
6h23
